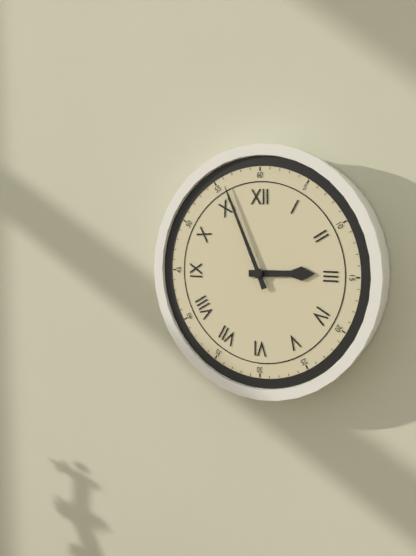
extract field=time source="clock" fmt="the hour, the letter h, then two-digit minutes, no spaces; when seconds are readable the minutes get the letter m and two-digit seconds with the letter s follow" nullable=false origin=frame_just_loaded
2h56
